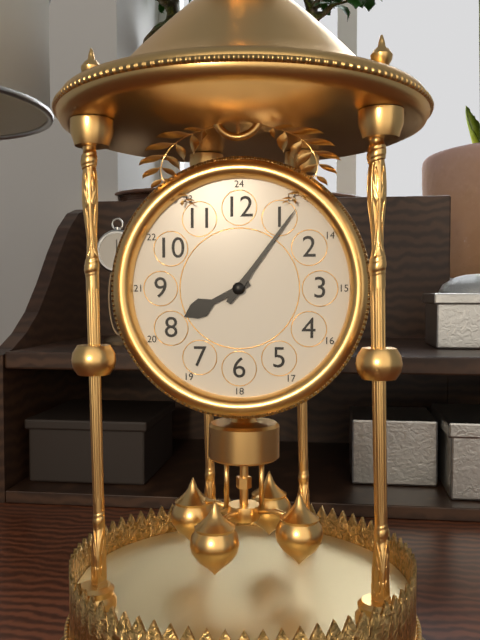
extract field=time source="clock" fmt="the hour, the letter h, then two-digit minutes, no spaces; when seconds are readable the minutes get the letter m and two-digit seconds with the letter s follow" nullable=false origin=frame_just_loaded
8h06
